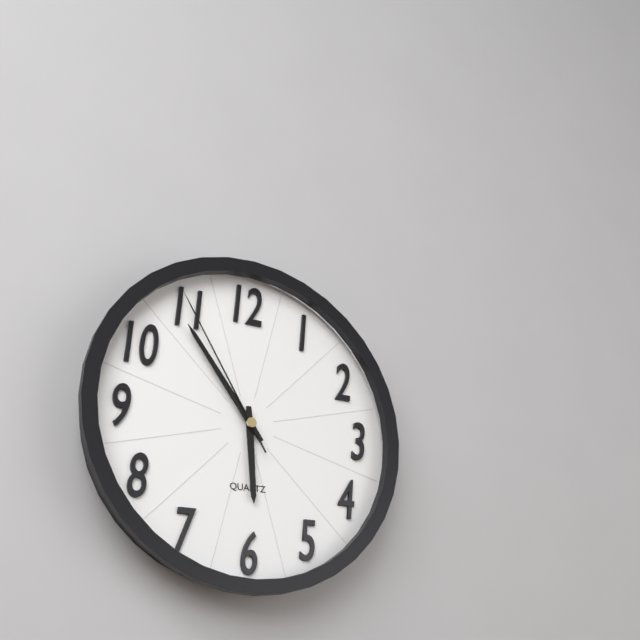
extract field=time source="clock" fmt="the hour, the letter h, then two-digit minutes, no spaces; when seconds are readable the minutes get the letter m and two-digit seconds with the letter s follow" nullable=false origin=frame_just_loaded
5h54m55s
